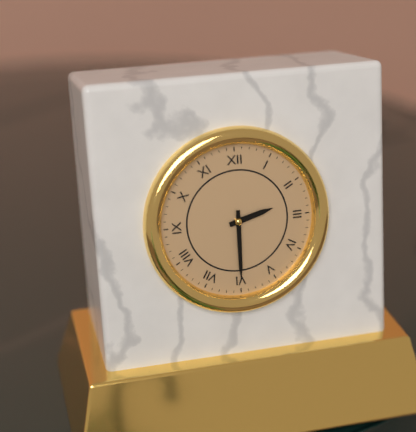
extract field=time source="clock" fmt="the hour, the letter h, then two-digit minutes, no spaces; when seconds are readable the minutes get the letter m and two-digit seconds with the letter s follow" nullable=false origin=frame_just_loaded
2h30
